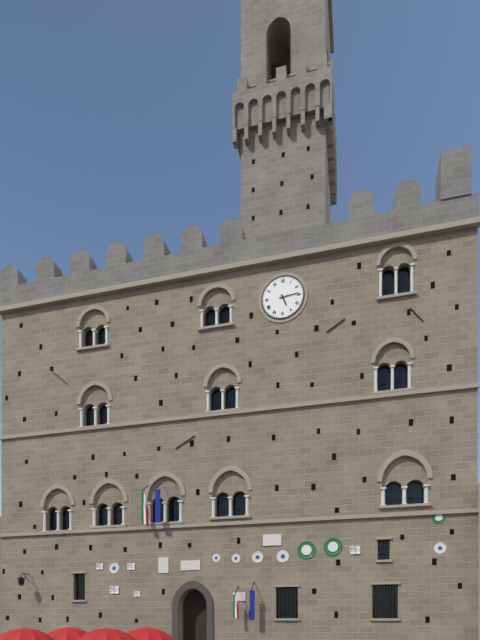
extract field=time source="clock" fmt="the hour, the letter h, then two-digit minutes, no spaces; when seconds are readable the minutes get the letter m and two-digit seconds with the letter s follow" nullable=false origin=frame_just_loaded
5h14
